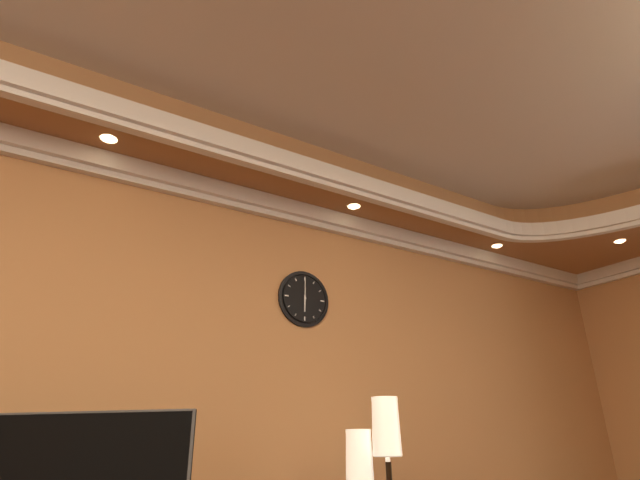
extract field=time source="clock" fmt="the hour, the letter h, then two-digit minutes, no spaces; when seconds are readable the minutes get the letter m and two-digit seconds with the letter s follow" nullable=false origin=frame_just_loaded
6h00
